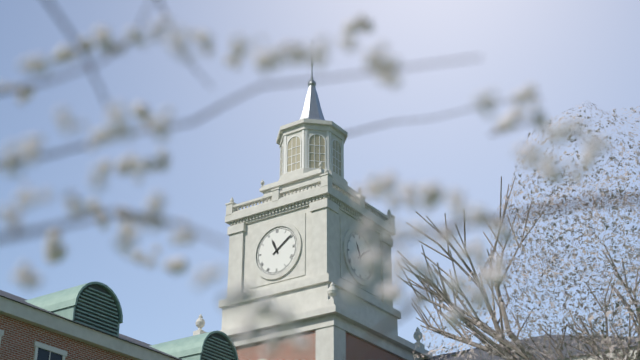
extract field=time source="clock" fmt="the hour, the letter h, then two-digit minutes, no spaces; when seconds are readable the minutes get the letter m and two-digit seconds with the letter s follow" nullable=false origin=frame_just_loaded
11h09
